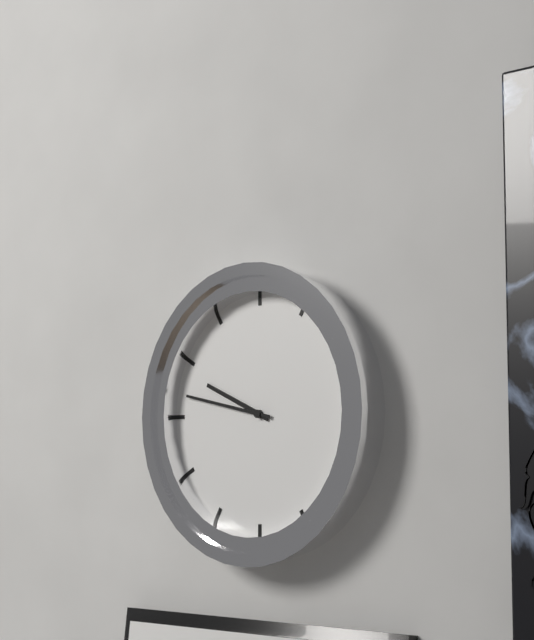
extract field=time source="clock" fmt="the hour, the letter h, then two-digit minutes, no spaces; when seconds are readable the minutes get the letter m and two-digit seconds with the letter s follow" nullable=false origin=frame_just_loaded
9h47
